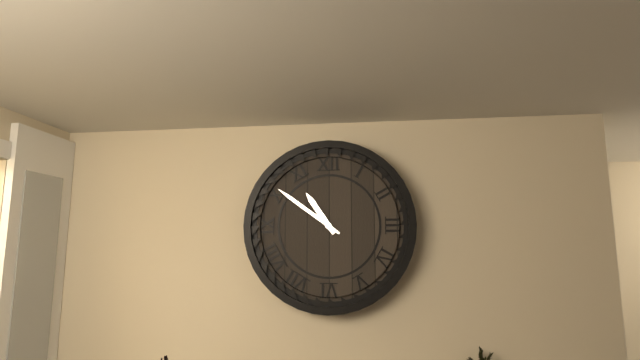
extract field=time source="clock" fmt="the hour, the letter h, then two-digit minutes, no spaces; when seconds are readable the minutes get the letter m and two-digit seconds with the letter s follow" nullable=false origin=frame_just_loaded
10h51
